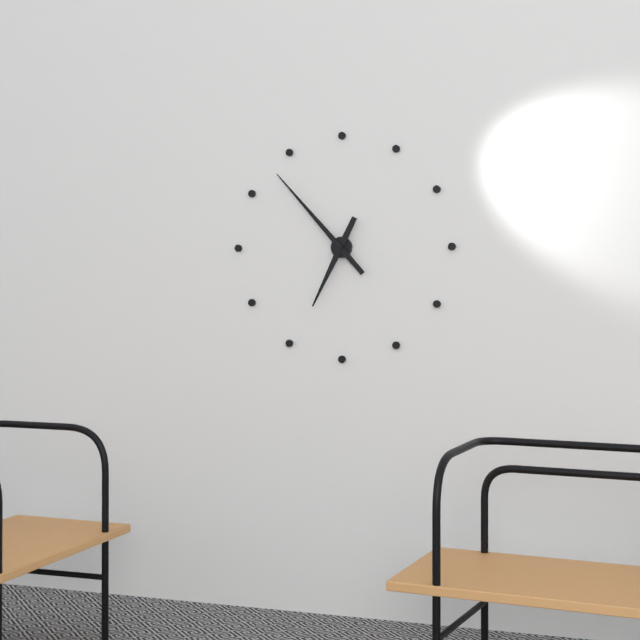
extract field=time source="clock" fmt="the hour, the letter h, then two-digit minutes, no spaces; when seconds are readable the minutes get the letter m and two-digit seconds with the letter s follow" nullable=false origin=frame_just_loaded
6h53
